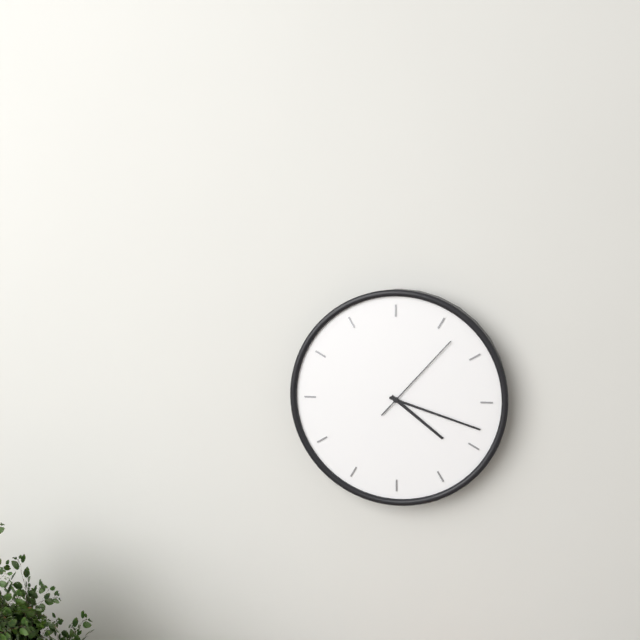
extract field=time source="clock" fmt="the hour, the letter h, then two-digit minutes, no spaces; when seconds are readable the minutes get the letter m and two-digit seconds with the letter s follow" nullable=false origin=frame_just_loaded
4h18m07s
